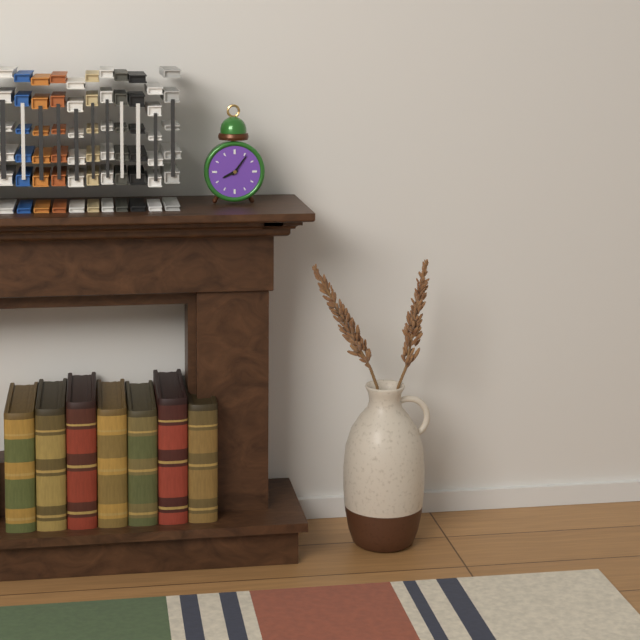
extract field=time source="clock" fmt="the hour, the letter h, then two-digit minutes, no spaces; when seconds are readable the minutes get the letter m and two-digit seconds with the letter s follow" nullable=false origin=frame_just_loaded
8h06
